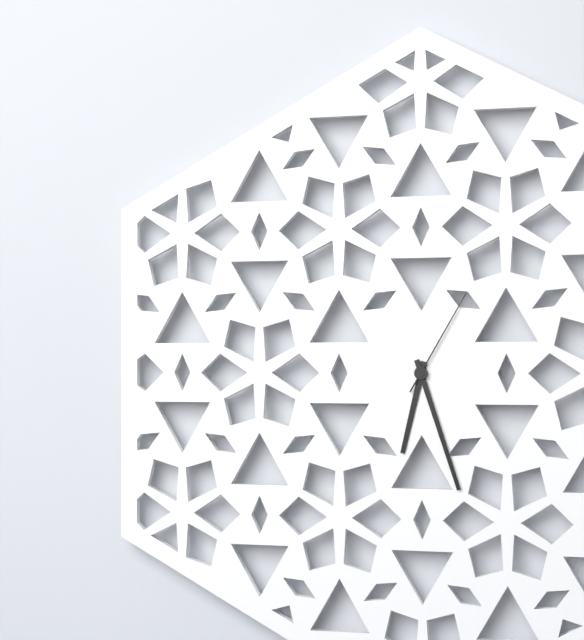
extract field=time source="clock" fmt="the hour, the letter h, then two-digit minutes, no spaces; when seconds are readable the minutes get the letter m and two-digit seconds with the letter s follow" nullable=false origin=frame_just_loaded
6h27m05s
